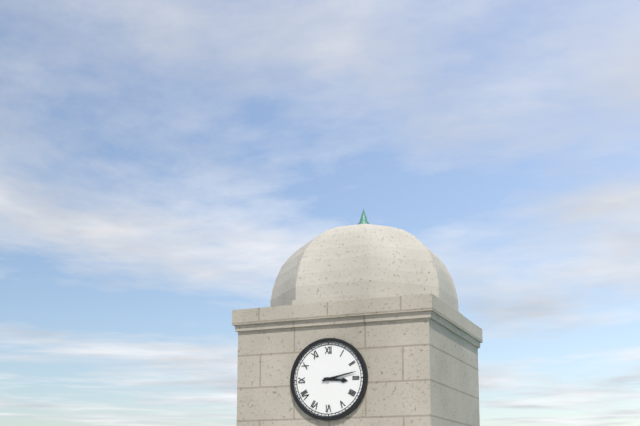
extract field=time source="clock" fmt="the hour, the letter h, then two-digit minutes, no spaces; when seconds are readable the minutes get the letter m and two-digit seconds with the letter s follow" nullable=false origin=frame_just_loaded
3h13
